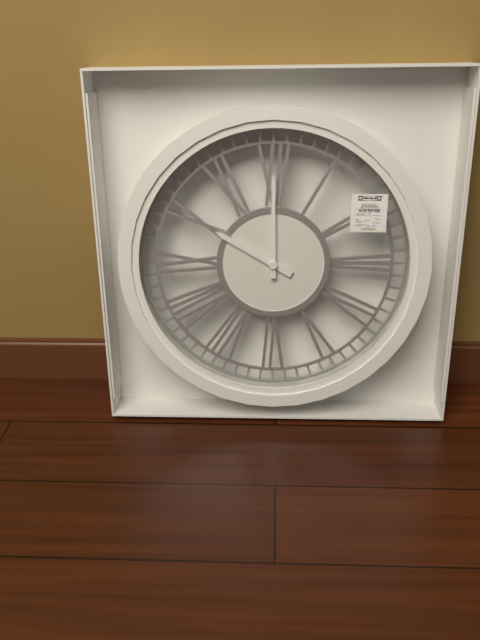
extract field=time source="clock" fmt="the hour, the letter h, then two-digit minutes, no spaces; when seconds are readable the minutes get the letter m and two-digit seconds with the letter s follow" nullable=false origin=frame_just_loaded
10h00
